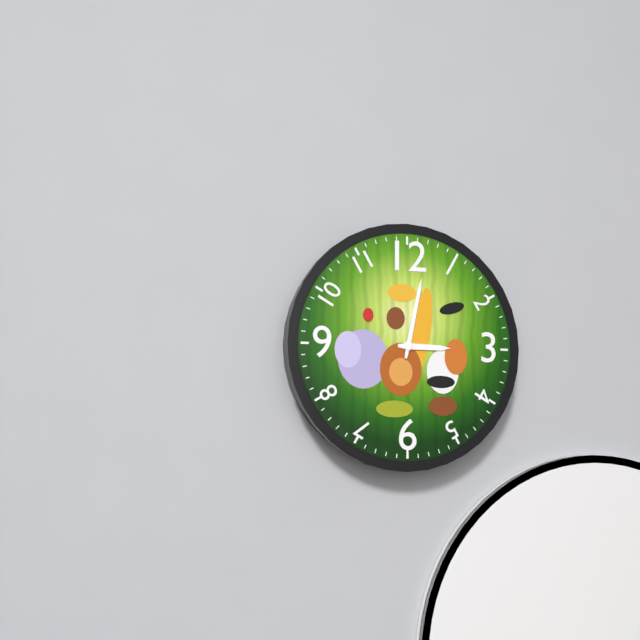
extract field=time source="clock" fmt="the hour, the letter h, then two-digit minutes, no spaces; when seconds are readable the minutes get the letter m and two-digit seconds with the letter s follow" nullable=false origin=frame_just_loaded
3h02
